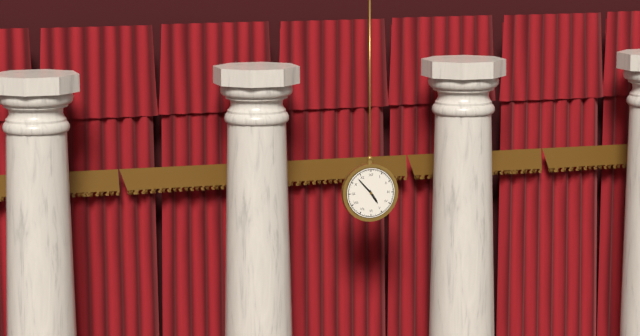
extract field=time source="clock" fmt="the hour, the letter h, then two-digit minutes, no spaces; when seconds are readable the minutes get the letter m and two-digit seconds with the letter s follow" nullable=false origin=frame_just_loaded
4h53
